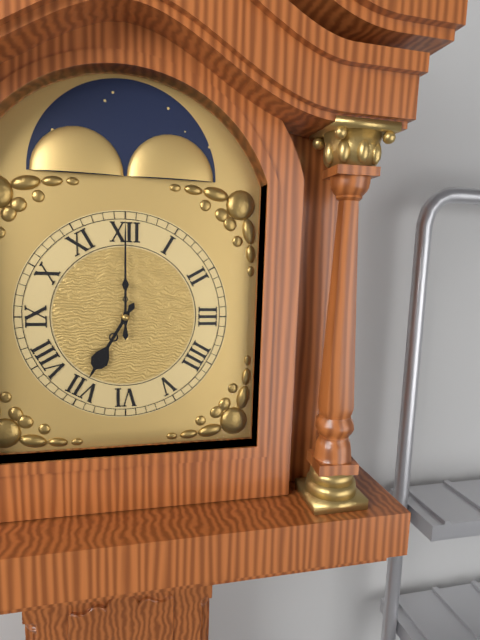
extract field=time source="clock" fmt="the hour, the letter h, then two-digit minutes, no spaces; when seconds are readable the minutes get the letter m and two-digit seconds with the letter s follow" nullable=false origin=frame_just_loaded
7h00
